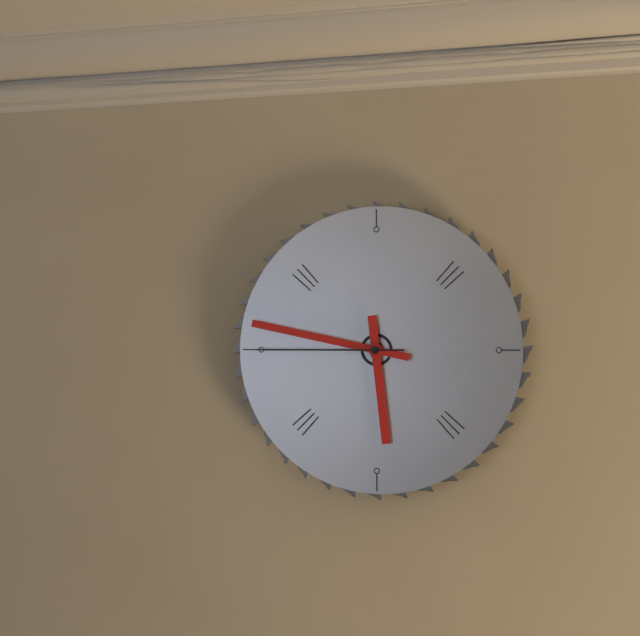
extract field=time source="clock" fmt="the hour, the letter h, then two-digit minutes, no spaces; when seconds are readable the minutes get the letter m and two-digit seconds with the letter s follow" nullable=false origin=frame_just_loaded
5h47m45s
